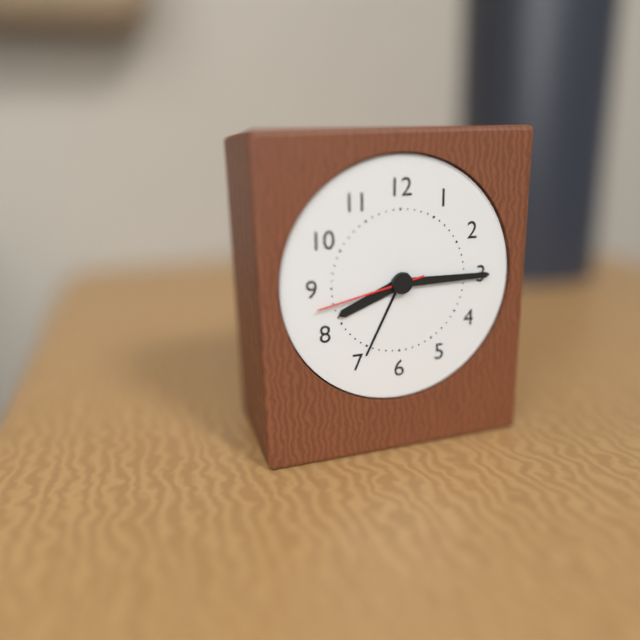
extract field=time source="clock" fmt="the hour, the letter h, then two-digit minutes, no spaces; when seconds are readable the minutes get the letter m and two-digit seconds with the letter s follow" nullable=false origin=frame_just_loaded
8h15m43s
